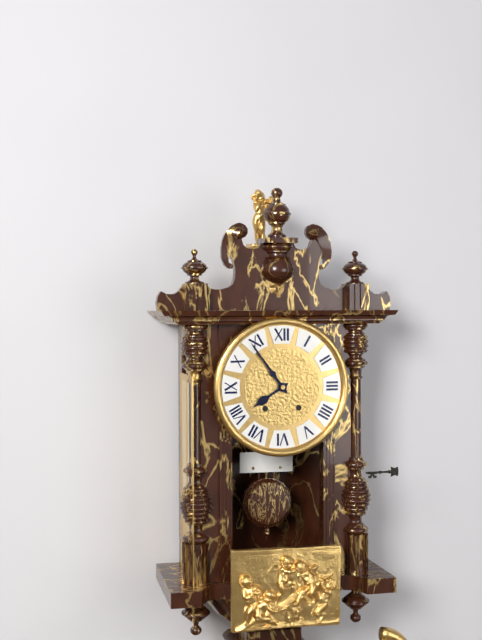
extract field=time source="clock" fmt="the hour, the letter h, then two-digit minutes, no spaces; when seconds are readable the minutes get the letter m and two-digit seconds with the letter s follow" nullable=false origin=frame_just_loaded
7h54
